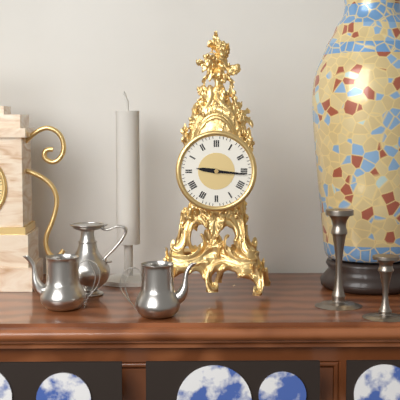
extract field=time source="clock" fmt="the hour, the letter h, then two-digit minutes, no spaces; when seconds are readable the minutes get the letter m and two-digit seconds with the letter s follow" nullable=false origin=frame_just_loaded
9h16
